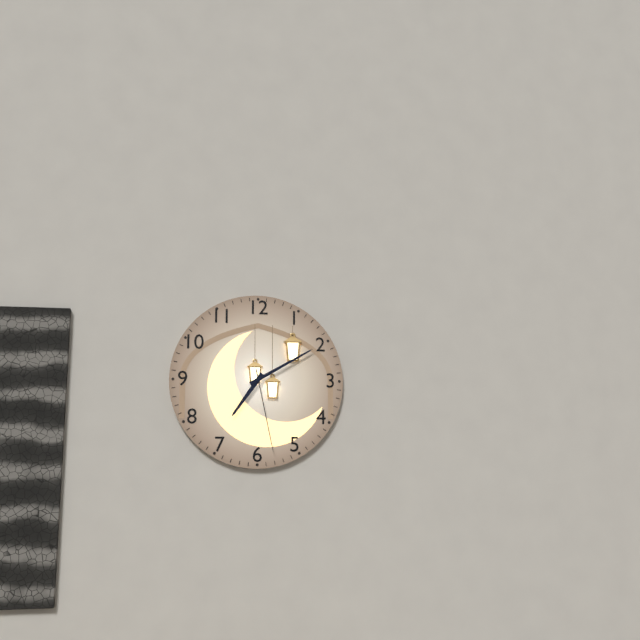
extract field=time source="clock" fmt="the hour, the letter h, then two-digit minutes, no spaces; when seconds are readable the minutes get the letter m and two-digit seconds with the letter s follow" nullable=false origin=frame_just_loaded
7h10m28s
